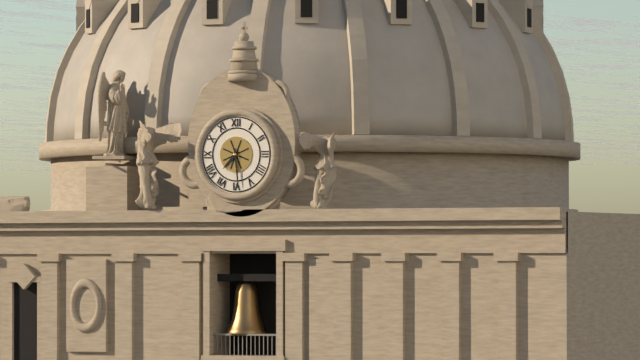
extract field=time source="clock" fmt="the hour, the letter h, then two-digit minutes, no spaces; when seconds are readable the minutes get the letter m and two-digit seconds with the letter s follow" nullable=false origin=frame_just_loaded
7h29
